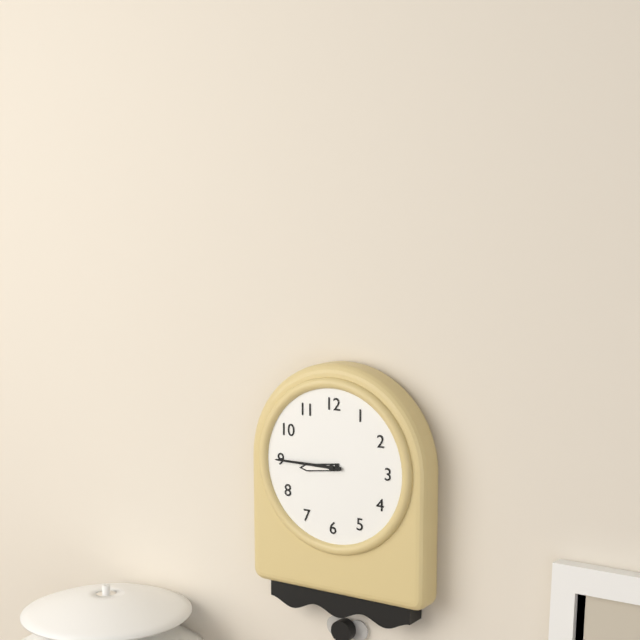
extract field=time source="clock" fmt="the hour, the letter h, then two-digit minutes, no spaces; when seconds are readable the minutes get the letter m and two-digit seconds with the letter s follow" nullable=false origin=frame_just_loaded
8h45
